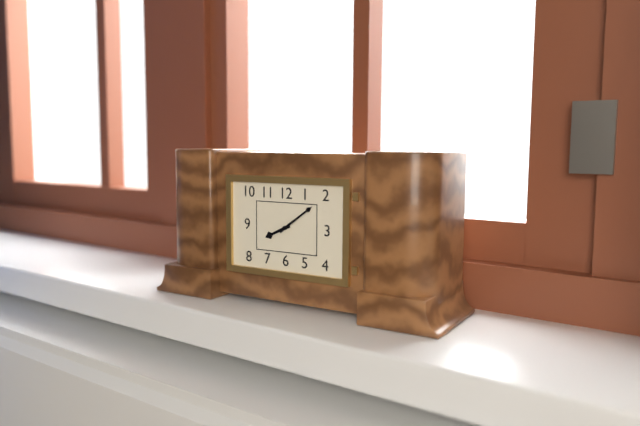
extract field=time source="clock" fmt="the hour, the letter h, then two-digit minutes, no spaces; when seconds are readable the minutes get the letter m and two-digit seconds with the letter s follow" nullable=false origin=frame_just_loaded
8h09
